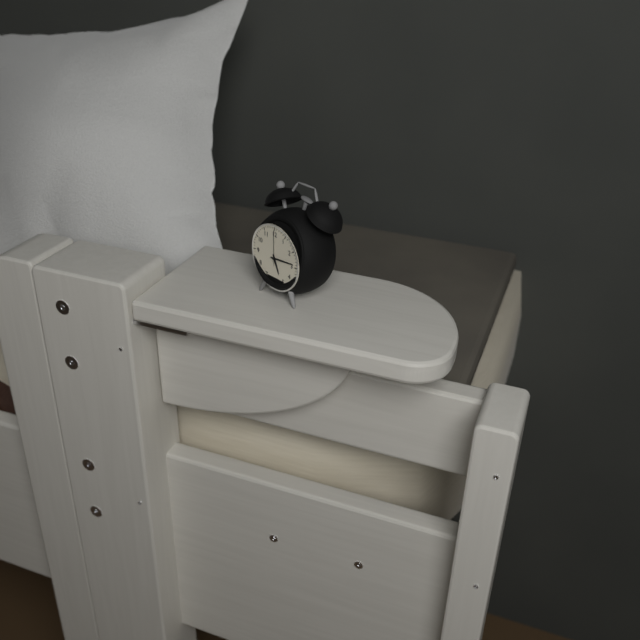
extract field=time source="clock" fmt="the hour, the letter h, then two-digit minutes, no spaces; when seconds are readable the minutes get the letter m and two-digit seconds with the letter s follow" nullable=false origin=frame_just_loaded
5h14
